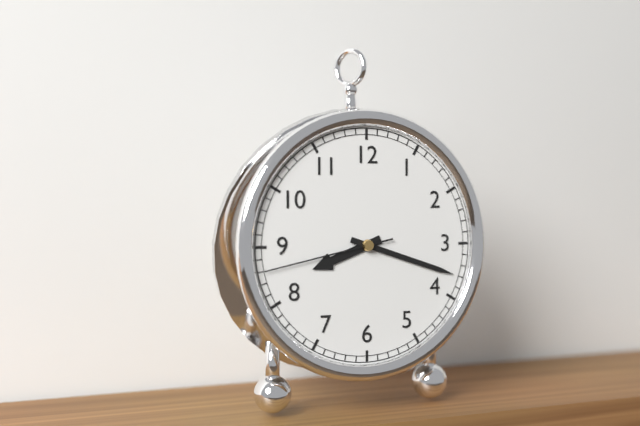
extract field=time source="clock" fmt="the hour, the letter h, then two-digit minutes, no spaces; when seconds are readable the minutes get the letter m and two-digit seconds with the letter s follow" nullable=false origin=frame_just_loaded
8h18m43s
